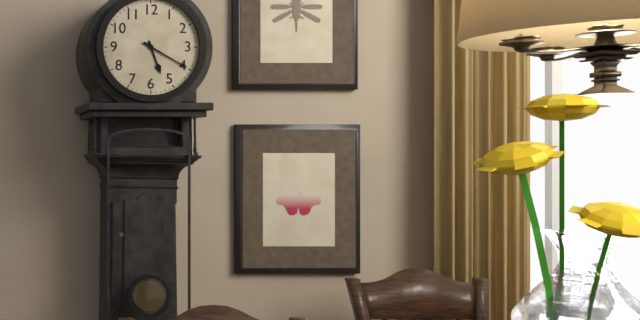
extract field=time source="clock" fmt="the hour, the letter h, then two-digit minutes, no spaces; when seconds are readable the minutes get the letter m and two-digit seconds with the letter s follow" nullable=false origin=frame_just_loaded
5h20
